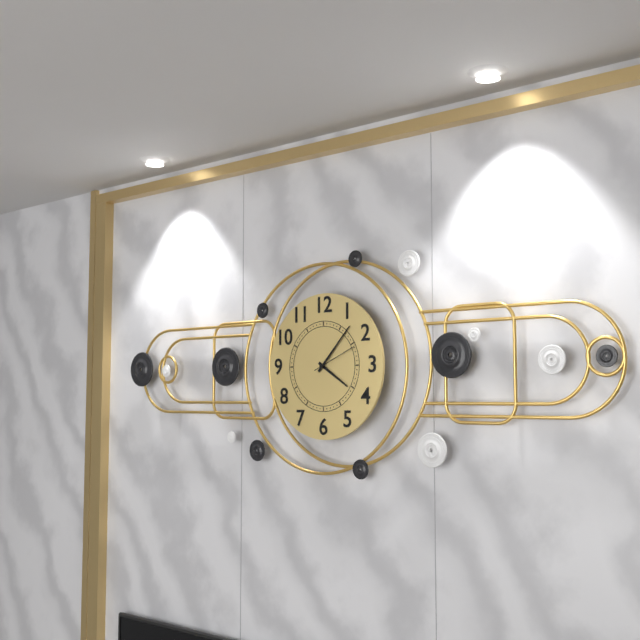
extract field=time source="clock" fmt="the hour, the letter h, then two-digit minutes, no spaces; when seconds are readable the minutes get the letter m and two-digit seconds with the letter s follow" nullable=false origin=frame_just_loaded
4h07
